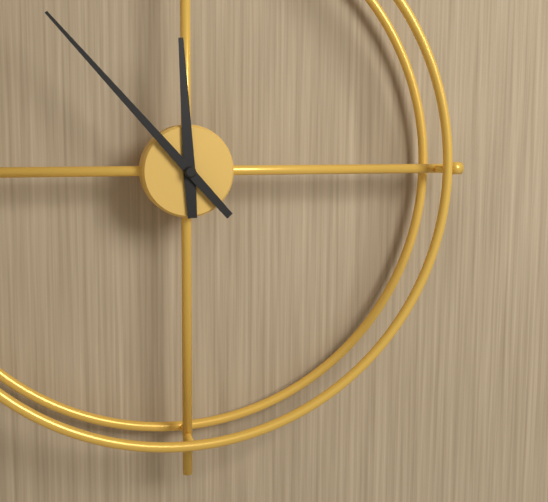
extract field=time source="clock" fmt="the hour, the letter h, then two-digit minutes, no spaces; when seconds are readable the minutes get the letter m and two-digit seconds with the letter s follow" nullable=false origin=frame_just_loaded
11h53
